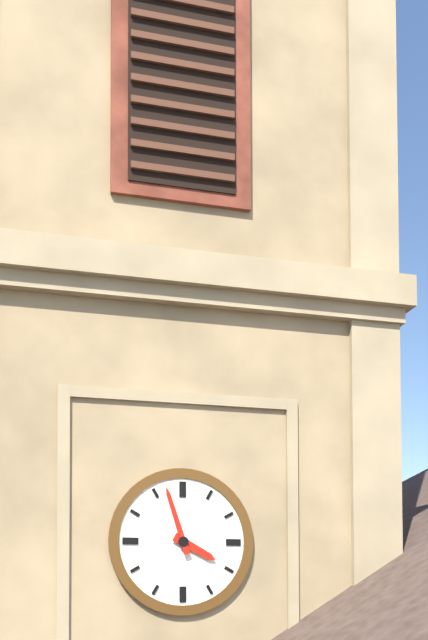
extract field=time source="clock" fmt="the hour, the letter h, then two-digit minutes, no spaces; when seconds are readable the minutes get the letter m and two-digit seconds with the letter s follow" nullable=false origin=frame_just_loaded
3h57
